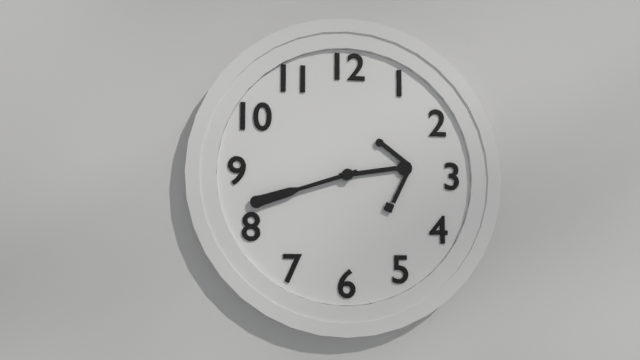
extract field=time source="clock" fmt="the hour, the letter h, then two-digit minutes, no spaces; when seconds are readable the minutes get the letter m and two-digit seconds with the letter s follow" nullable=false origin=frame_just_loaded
2h42
